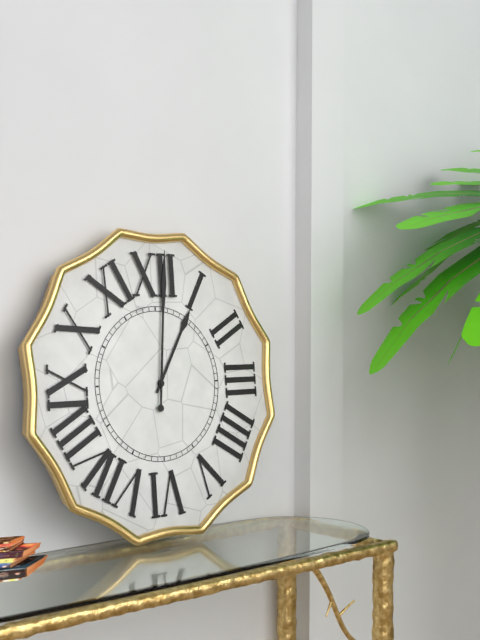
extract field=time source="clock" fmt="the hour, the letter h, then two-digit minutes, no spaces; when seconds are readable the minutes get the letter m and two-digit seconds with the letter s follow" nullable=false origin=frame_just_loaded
1h01
